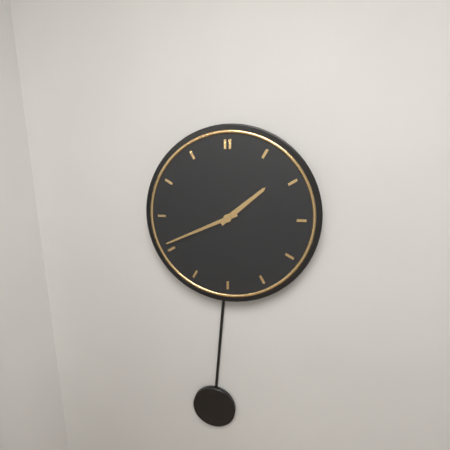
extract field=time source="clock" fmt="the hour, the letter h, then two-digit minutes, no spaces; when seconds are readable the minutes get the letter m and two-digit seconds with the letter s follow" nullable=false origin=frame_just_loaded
1h41
